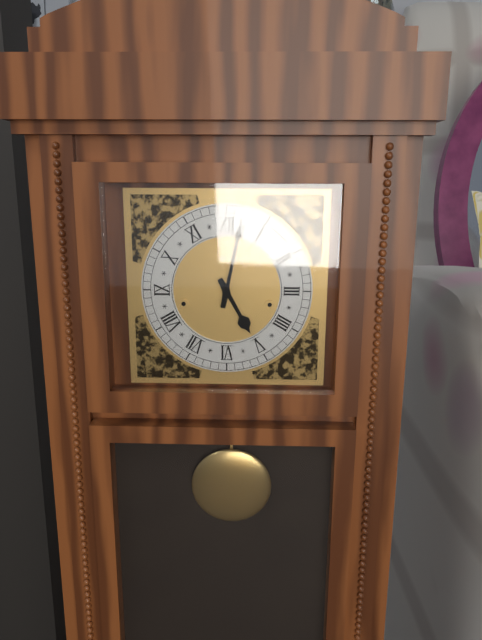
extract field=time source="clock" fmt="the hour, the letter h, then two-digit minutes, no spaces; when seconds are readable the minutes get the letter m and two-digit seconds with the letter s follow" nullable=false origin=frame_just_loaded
5h02
